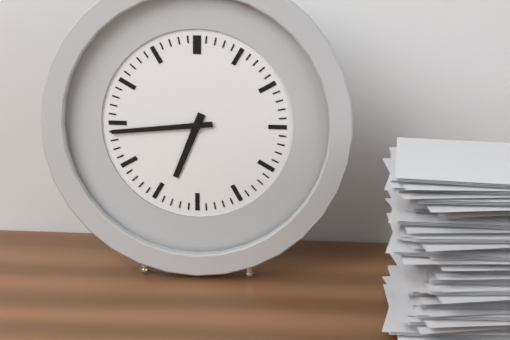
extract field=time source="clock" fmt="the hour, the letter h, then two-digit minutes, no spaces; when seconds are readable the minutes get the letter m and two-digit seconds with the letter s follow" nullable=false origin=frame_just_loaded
6h44
